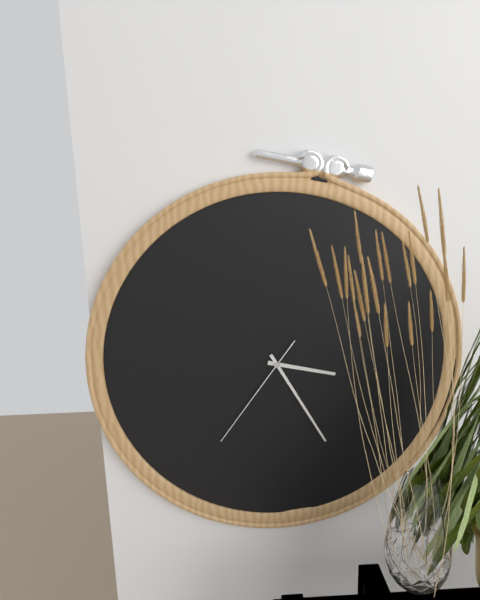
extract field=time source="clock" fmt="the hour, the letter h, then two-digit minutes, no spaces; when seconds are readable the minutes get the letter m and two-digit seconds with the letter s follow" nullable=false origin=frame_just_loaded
3h25m36s
